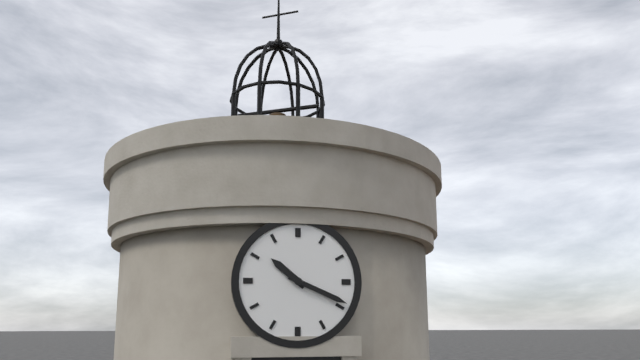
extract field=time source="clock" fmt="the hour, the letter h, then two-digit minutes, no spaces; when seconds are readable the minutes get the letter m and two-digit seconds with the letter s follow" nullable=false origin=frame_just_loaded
10h19
